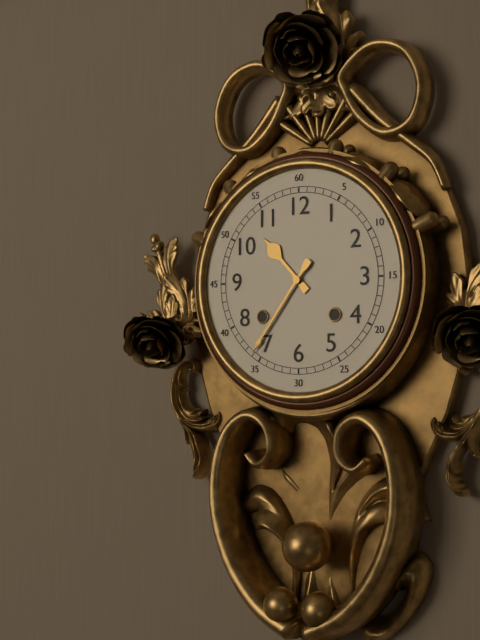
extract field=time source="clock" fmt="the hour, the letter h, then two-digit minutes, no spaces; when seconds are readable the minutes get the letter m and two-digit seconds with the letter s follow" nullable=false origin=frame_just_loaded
10h36
